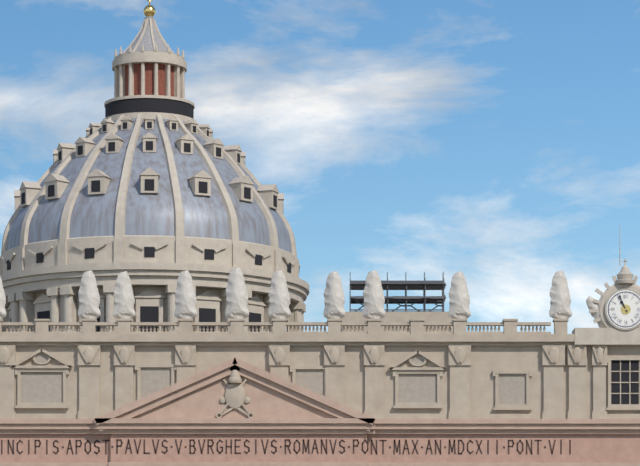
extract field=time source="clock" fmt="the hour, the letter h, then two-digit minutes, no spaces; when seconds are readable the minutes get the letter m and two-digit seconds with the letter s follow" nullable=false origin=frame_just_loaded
10h56
